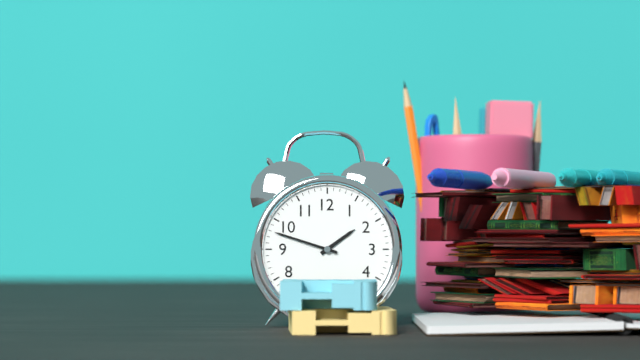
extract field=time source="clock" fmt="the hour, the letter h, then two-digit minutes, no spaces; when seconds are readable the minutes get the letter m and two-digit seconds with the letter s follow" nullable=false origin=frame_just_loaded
1h48
